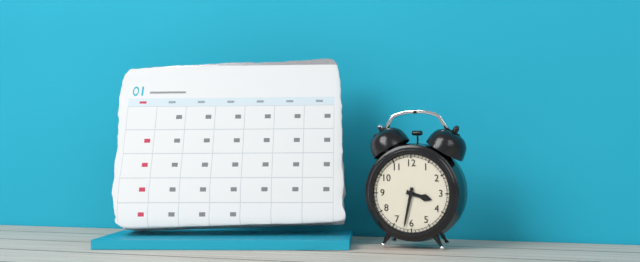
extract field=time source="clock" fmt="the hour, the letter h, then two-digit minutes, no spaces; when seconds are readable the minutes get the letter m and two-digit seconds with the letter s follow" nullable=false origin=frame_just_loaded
3h32
